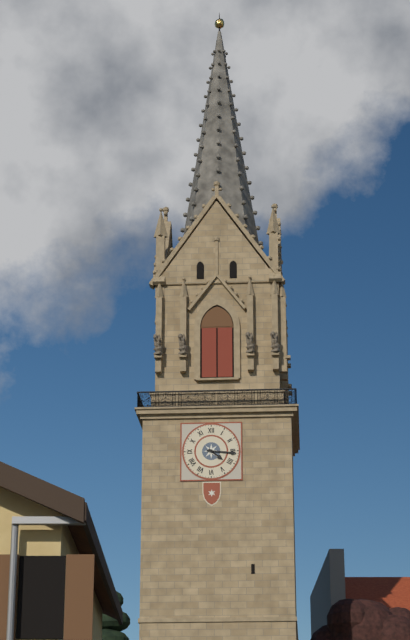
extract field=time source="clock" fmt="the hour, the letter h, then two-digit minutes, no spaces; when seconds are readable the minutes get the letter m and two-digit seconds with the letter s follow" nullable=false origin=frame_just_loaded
4h16
